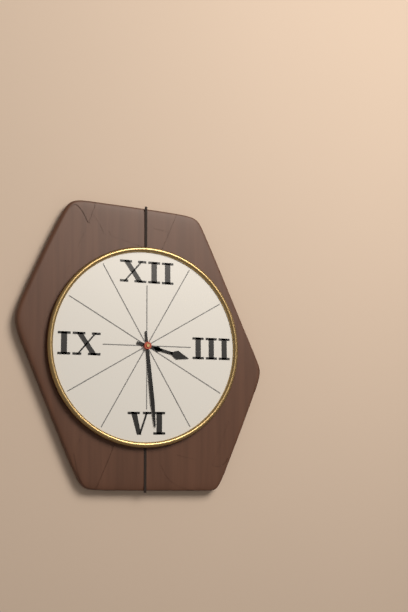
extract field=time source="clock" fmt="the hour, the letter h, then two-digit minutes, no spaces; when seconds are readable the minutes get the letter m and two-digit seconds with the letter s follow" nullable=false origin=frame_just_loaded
3h29
